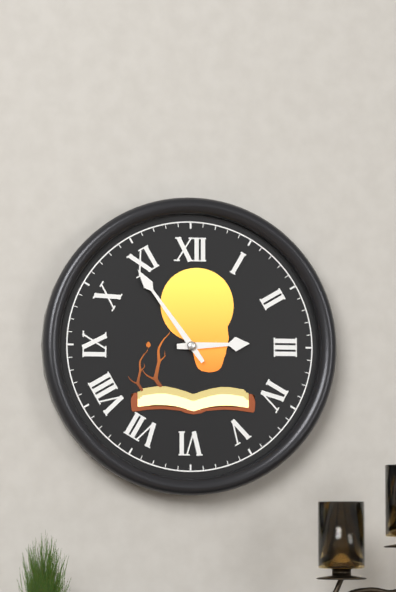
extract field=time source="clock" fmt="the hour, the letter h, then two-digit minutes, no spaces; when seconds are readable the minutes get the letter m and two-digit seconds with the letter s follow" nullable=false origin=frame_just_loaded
2h54
